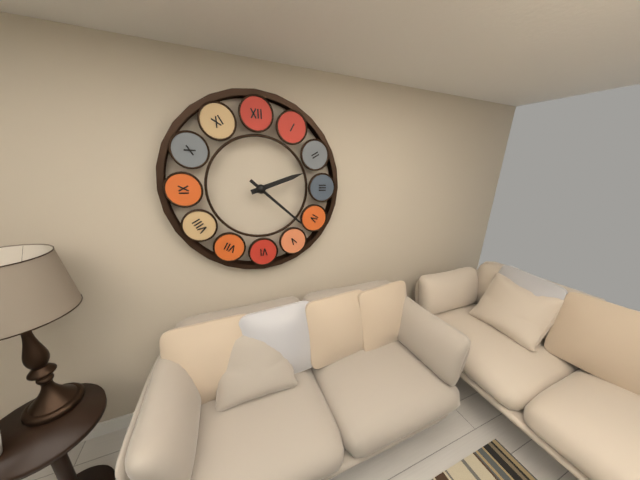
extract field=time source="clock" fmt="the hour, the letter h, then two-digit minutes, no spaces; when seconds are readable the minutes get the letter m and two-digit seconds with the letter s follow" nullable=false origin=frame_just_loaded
2h22
